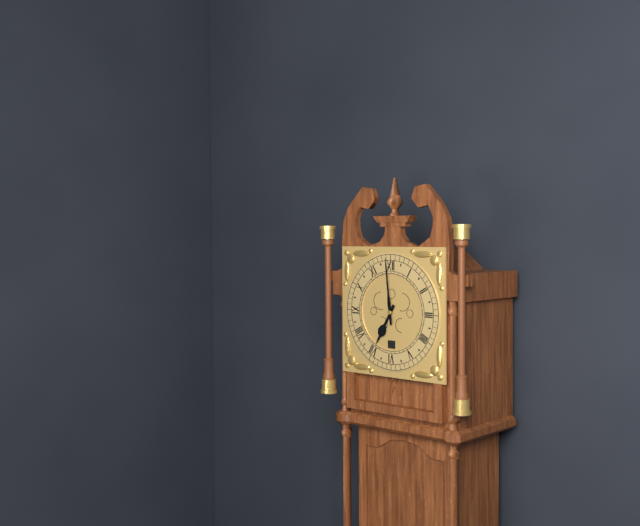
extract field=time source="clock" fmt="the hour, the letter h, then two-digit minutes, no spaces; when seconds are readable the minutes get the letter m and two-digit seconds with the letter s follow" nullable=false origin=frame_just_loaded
6h59
